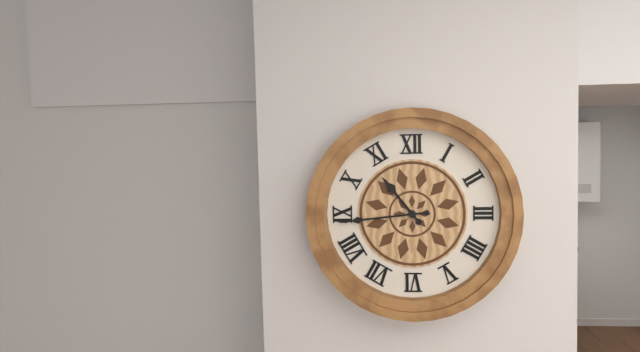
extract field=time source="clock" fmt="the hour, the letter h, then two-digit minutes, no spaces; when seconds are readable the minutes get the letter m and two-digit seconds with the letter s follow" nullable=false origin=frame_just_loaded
10h44
